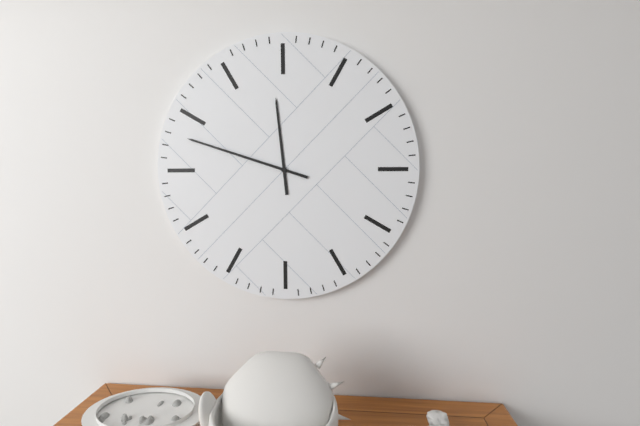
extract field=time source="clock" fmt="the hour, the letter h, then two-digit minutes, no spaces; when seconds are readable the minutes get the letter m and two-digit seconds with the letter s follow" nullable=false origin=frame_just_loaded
11h48
